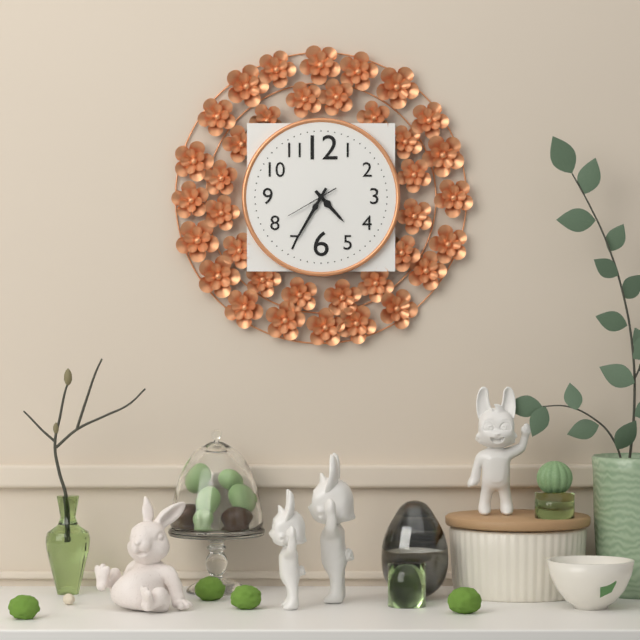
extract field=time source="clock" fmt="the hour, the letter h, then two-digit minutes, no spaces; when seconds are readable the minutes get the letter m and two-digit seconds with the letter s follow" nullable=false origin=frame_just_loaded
4h35
